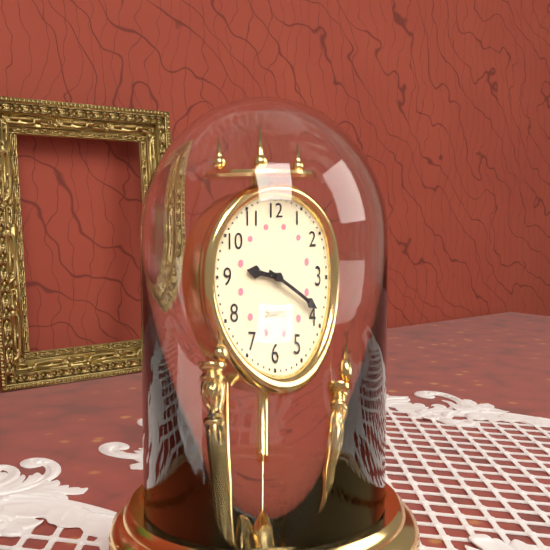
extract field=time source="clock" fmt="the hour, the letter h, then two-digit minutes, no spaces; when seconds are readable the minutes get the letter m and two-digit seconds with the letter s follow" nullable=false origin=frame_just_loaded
9h19
